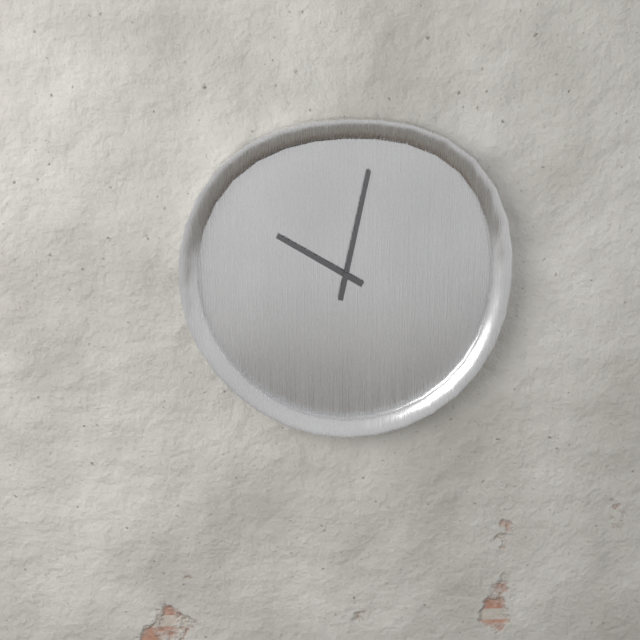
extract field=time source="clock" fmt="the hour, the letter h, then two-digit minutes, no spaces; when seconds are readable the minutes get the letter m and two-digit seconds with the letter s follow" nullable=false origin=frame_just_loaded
10h02
